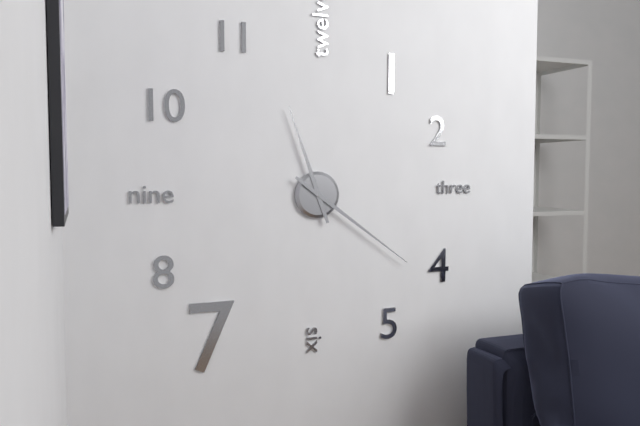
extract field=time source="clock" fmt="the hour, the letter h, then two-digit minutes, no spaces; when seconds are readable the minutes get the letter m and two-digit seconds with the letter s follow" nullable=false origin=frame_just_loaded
11h21
